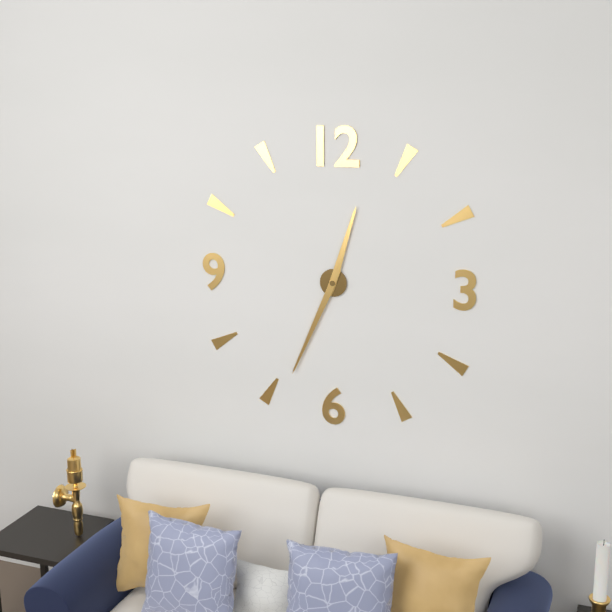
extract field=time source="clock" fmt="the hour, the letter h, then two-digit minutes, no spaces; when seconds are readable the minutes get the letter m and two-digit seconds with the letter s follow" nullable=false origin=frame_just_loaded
12h34
